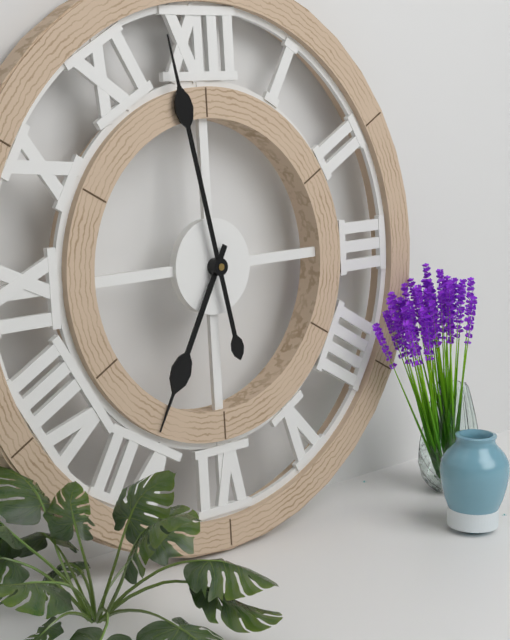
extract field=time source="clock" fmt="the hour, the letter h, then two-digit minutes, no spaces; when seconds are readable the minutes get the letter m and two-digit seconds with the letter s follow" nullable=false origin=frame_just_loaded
6h58
